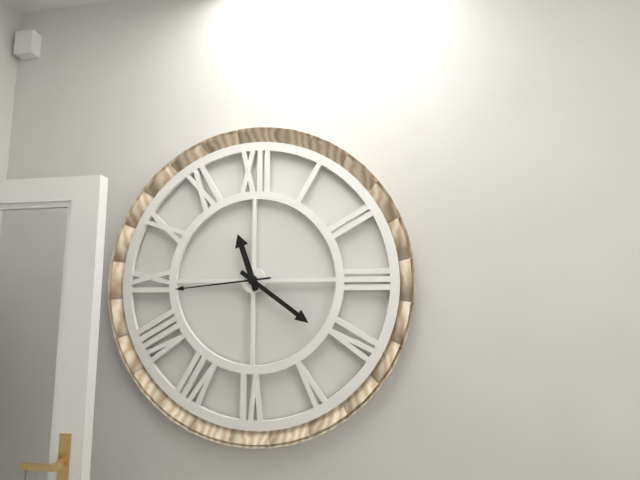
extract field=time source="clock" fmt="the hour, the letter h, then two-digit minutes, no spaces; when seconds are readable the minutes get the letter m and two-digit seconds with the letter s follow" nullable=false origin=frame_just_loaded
11h21m44s
